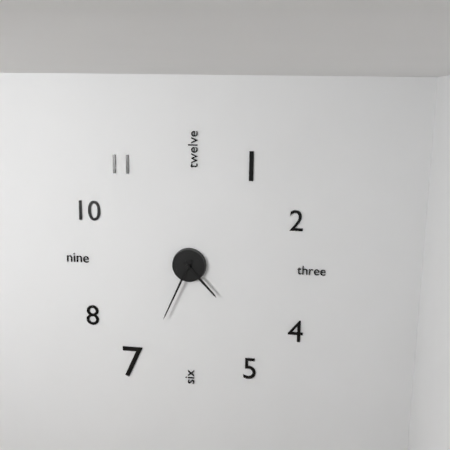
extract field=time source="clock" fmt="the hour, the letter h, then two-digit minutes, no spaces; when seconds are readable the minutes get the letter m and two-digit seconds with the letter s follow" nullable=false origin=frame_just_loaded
4h34
